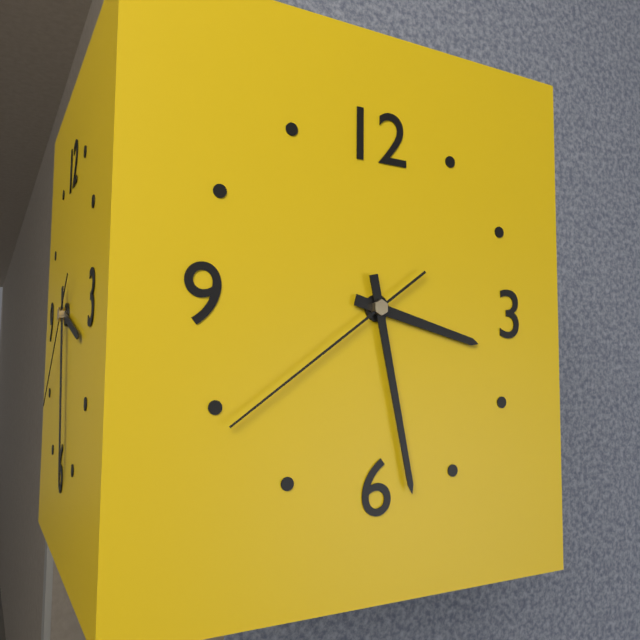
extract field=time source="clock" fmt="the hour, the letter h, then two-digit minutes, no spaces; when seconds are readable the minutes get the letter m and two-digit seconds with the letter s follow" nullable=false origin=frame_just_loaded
3h28m39s
